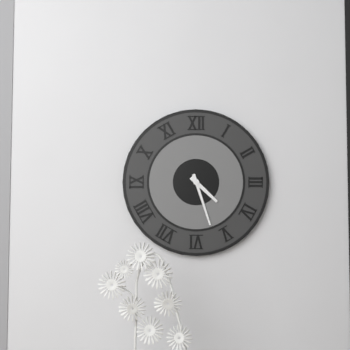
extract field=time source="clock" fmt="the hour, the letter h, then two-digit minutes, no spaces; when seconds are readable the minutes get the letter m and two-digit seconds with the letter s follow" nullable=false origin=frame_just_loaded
4h27
